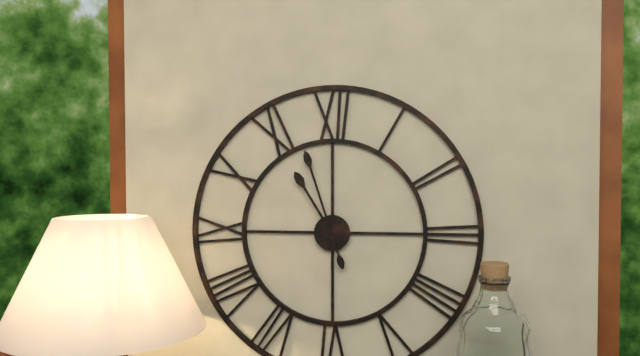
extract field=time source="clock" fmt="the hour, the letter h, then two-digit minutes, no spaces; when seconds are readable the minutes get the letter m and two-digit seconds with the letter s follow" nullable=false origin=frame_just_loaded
10h57
